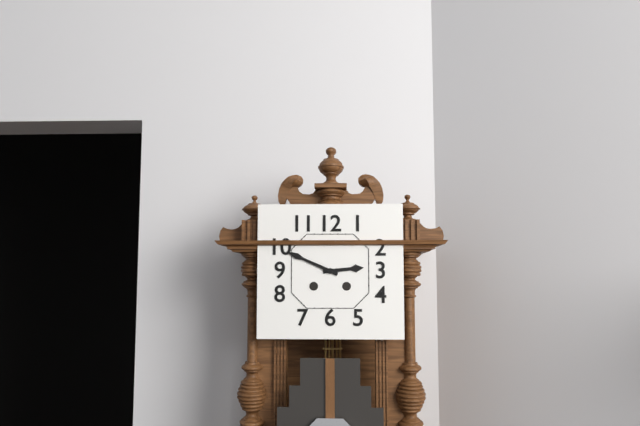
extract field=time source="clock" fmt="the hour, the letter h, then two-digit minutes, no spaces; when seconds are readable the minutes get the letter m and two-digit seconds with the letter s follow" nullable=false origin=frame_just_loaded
2h49
